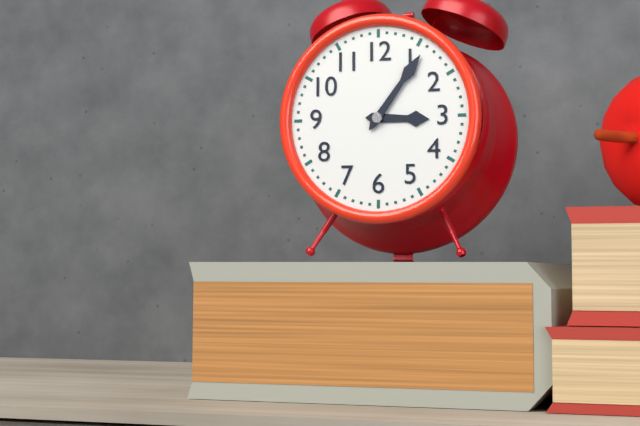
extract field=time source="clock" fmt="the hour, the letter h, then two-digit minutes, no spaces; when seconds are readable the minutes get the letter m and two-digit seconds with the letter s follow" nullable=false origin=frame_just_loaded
3h06
